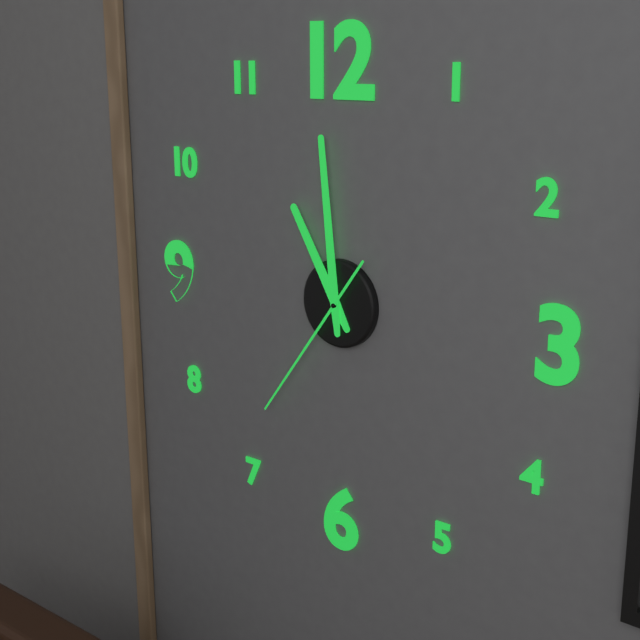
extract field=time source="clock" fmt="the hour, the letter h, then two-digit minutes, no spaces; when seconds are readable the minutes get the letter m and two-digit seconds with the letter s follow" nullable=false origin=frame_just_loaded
10h59m36s
